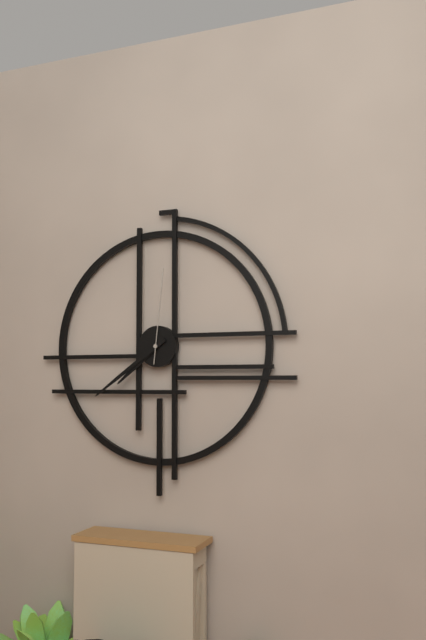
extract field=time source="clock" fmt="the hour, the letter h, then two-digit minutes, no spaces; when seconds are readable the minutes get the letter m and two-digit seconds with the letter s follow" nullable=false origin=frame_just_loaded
7h39m01s
